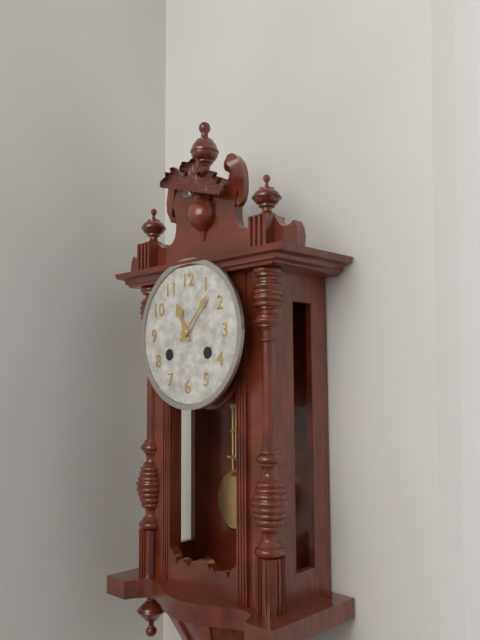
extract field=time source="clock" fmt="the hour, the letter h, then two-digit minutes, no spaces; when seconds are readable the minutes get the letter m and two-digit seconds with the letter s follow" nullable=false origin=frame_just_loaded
11h07
